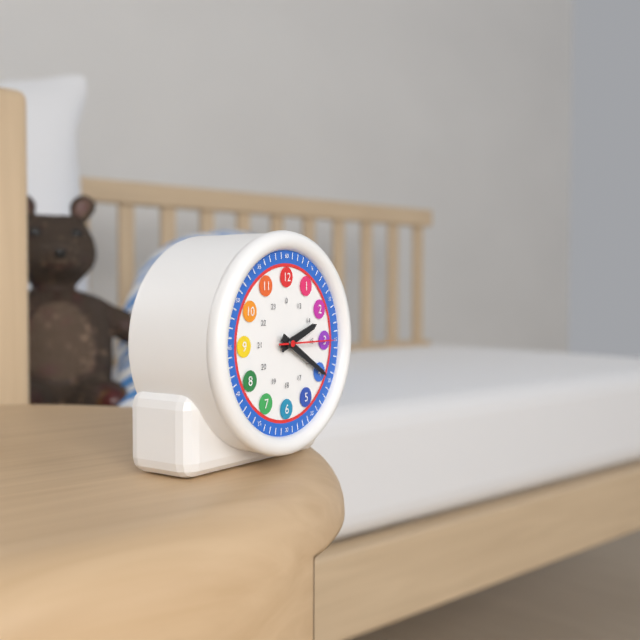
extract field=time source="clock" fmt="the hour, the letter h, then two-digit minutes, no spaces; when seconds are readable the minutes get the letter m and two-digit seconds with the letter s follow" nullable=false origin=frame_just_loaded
2h20m15s
